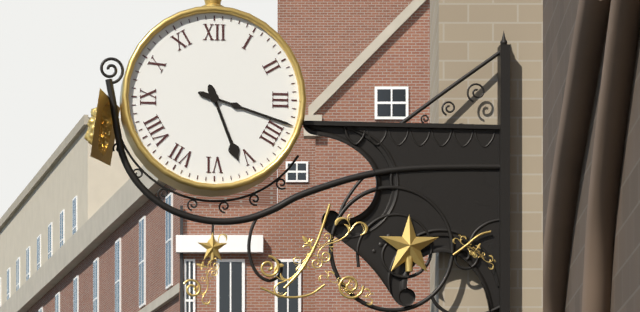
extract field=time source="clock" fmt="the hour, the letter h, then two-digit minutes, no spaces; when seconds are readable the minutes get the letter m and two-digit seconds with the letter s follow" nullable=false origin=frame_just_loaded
5h18
